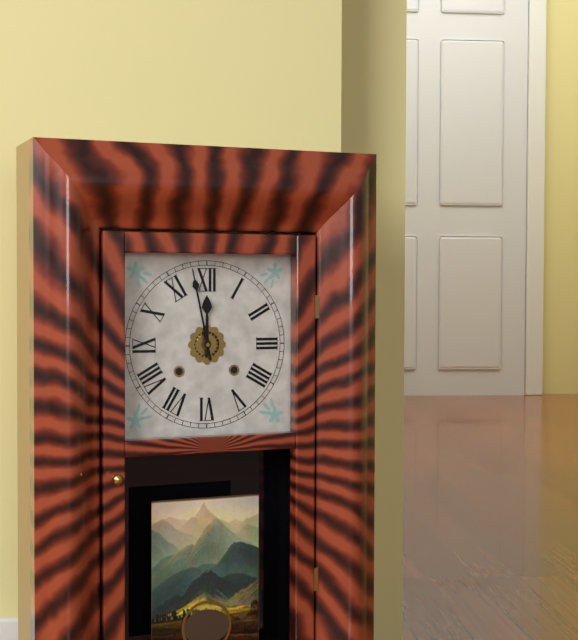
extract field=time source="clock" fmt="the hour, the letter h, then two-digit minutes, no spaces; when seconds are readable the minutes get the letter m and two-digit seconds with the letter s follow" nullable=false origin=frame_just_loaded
11h58
